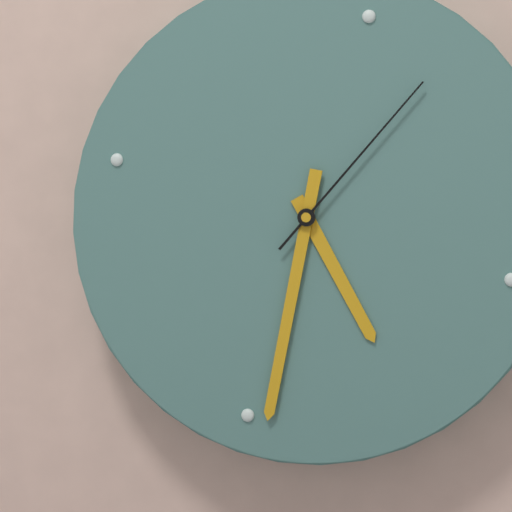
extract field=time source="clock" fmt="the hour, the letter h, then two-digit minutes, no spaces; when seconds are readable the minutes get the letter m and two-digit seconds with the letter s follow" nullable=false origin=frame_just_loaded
4h29m04s
